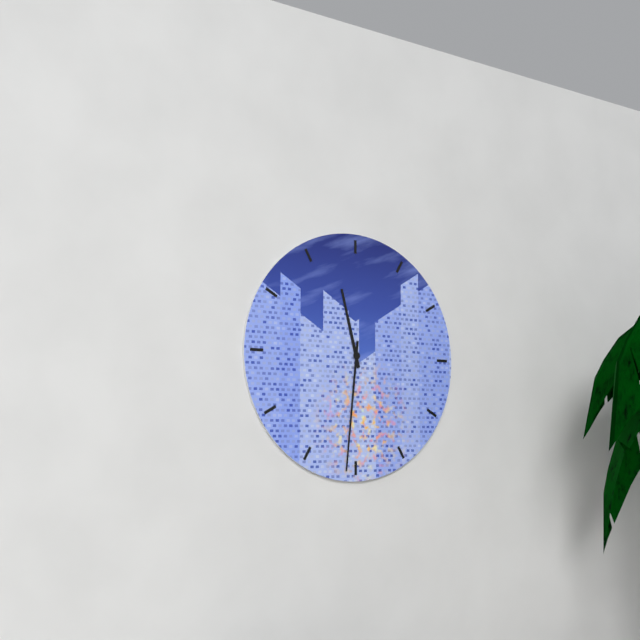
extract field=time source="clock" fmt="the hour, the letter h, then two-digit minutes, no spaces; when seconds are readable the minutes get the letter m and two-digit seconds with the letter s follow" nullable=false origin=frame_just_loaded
11h31
